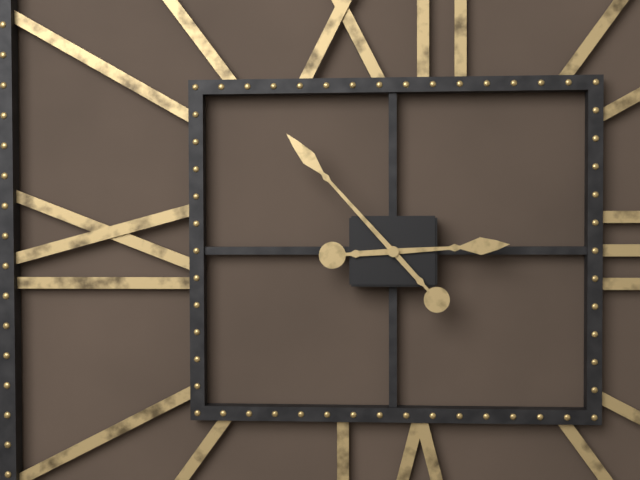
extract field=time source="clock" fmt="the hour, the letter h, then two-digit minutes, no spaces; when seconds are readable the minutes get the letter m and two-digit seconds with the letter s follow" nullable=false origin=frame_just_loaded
2h53
